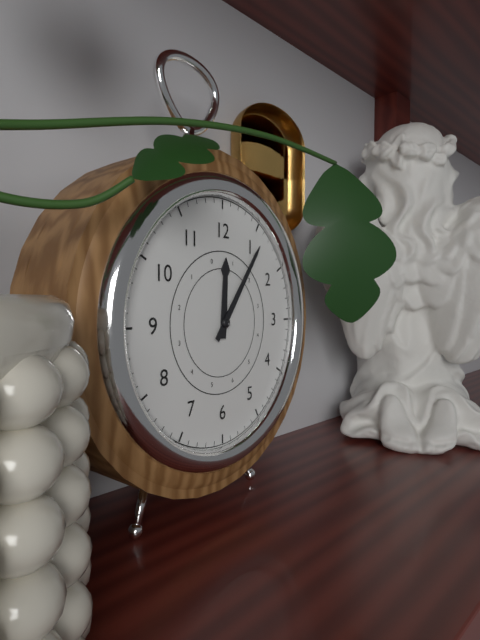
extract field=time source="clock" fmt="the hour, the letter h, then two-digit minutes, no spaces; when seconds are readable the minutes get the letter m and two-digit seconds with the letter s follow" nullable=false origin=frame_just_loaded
12h06
